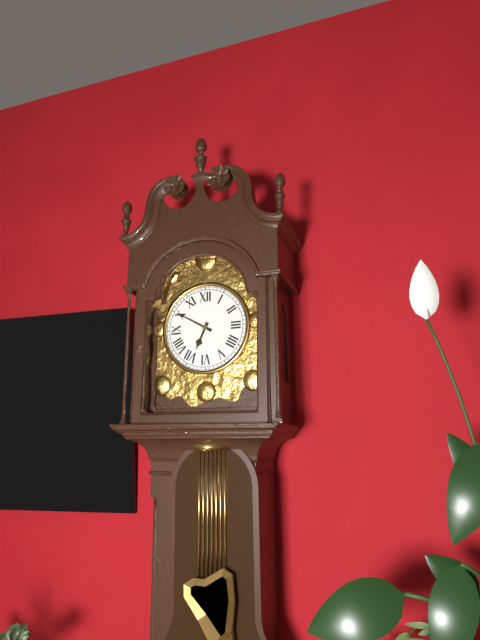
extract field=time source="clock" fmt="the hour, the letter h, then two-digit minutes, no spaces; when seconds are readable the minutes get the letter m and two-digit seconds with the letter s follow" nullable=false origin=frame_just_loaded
6h50
